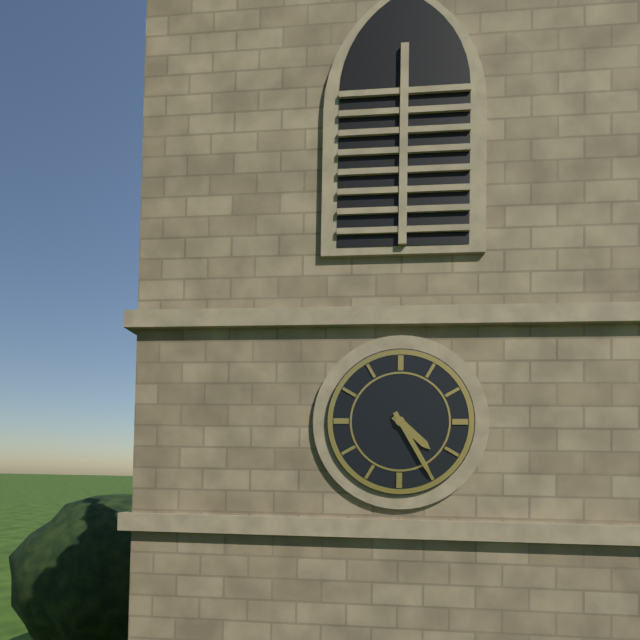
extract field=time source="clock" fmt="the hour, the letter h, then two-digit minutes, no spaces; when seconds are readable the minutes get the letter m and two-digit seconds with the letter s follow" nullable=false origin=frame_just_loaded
4h25
